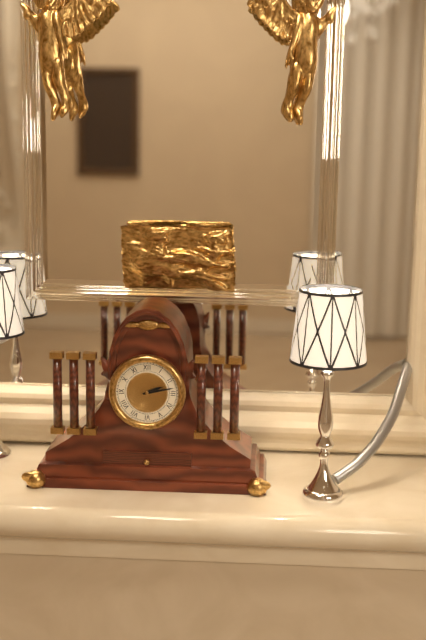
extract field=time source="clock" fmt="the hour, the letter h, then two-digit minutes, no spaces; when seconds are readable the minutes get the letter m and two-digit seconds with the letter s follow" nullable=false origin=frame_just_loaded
2h13
